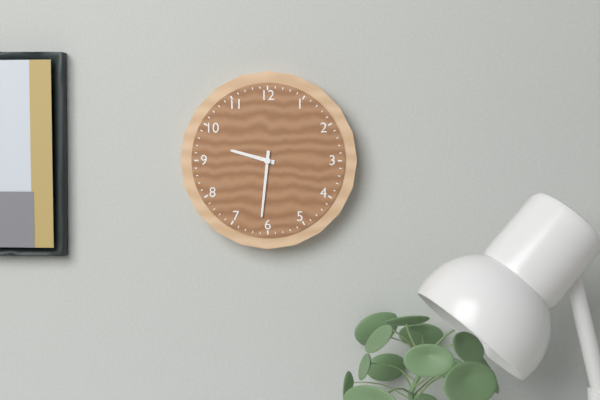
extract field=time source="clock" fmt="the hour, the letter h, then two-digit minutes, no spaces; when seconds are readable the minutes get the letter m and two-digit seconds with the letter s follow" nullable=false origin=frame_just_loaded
9h31
